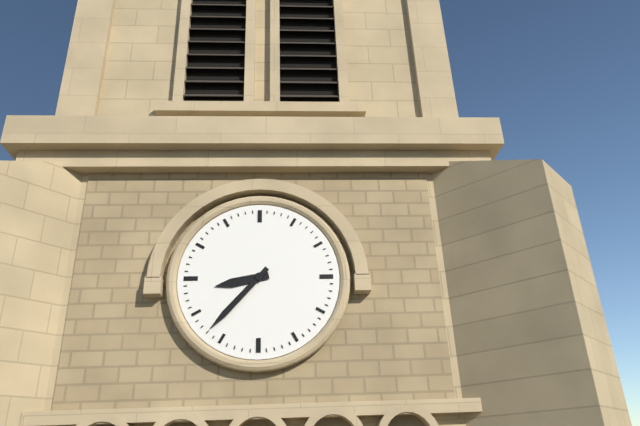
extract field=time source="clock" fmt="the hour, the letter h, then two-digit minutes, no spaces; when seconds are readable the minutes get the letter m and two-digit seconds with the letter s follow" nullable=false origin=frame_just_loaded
8h37
